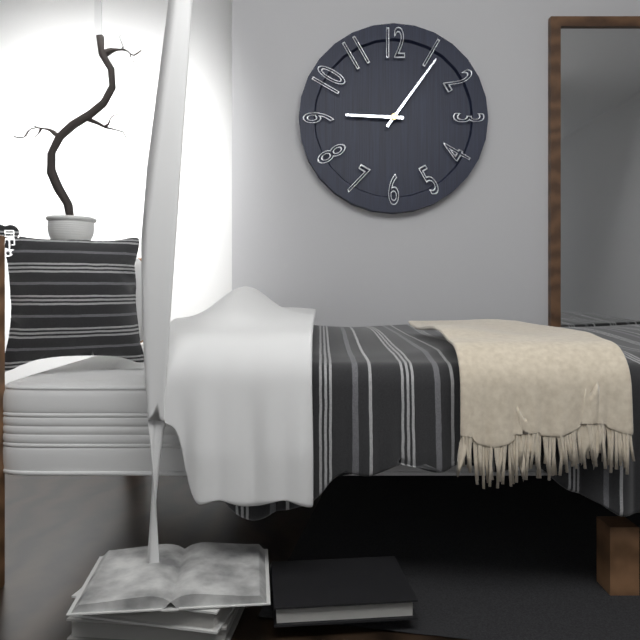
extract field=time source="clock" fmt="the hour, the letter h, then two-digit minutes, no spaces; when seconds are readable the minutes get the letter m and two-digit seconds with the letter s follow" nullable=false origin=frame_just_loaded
9h06
